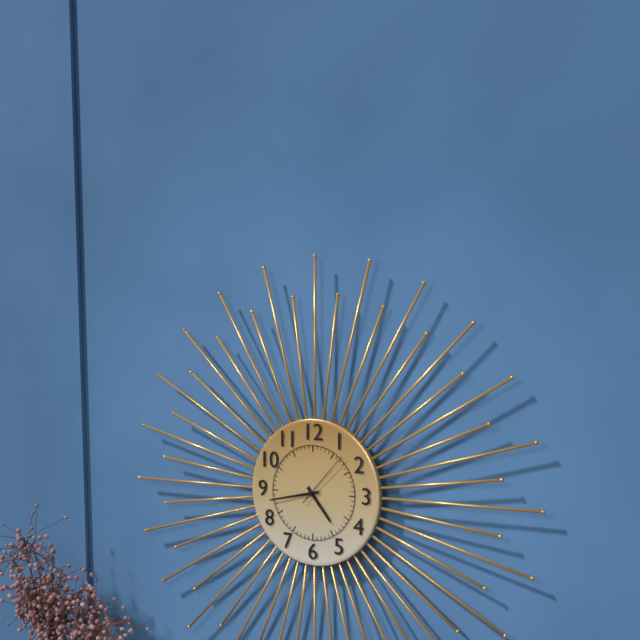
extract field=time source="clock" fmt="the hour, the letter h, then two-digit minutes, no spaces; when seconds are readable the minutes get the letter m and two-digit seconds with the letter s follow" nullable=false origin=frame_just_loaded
4h43m07s
